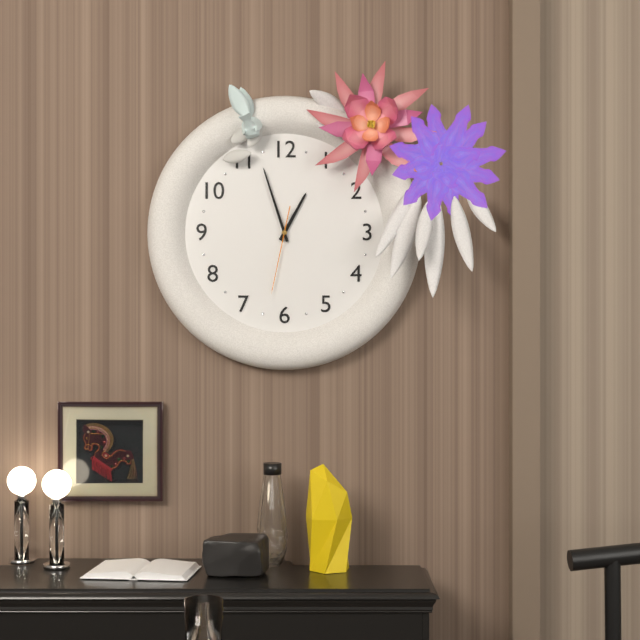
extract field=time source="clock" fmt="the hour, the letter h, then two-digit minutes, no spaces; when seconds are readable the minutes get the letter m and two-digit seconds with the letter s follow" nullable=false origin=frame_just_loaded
12h57m32s
